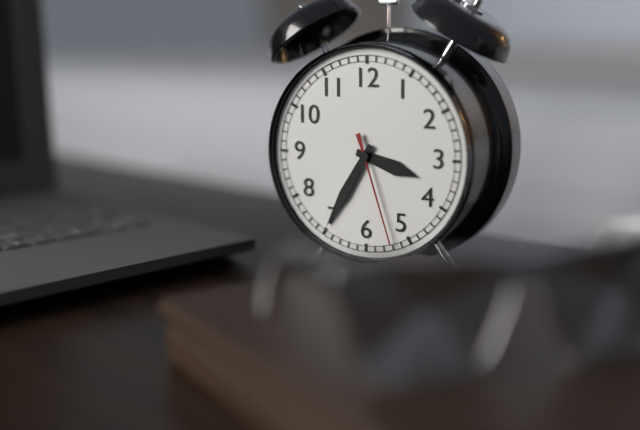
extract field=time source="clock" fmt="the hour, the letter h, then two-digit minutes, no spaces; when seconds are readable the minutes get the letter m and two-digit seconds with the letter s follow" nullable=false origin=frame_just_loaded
3h35m27s
